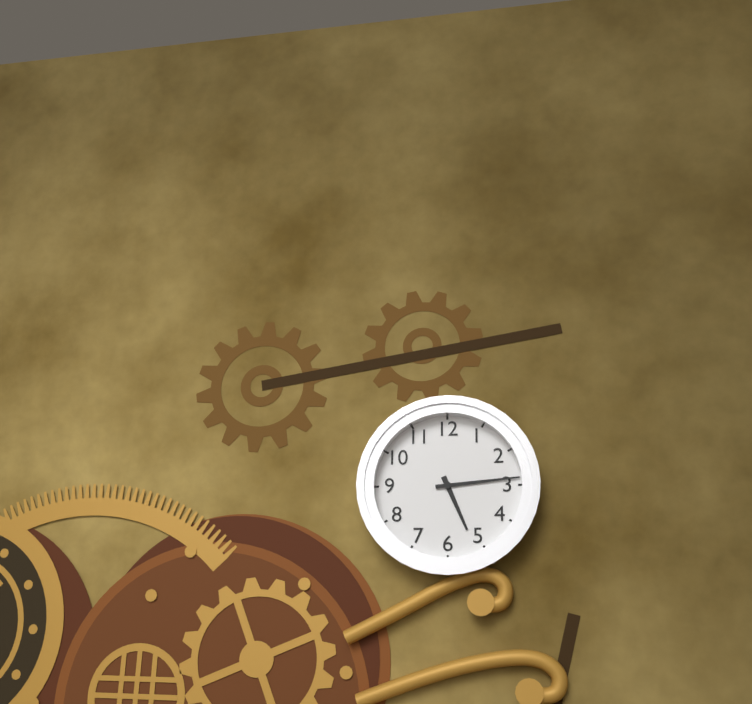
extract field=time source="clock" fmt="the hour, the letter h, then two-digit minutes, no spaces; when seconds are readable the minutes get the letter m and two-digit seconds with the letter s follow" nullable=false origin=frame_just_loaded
5h14
